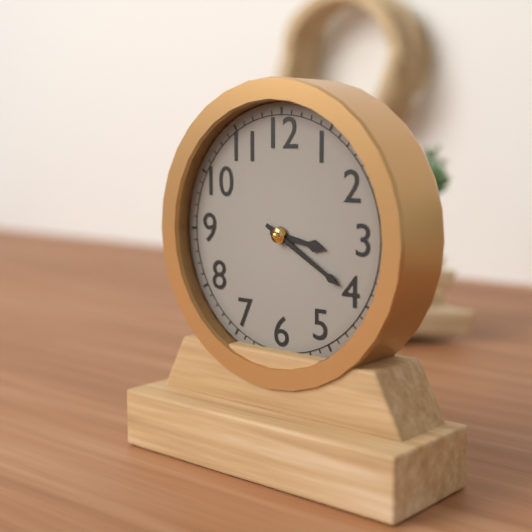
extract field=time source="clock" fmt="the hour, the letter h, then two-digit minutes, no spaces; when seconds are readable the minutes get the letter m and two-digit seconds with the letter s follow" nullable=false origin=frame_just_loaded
3h20
